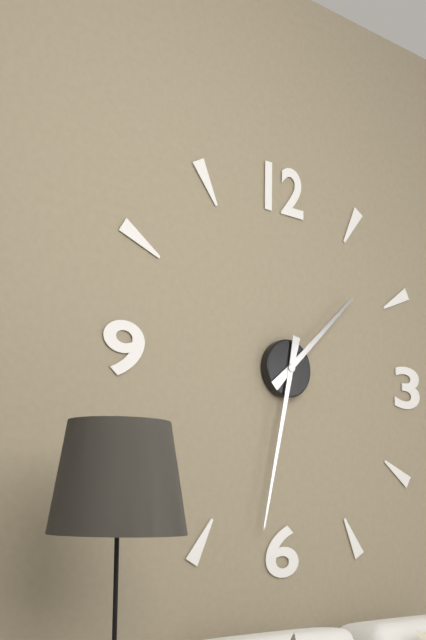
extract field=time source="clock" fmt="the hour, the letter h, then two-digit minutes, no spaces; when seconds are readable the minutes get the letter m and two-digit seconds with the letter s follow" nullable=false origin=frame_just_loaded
1h32
